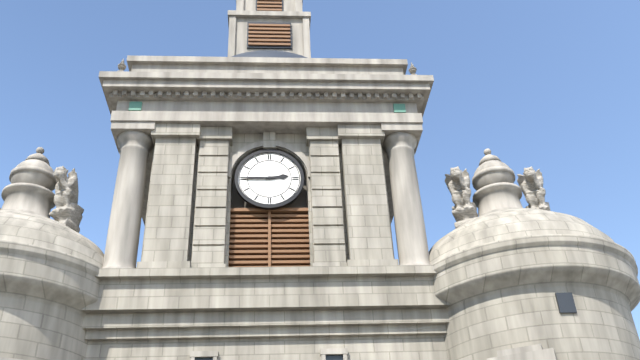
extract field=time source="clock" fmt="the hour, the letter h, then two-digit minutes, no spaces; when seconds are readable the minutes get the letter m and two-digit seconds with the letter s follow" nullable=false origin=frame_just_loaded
2h45
